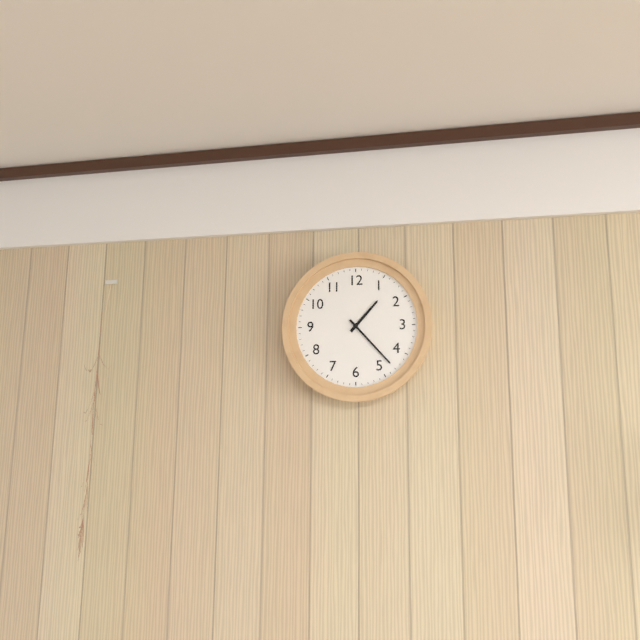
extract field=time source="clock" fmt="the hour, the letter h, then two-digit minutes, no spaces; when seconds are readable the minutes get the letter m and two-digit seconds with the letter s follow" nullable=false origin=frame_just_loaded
1h23
